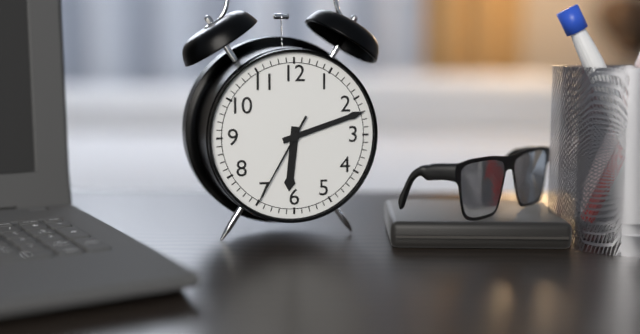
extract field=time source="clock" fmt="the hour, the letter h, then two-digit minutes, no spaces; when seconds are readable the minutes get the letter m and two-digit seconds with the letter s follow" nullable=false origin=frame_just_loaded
6h12m35s
